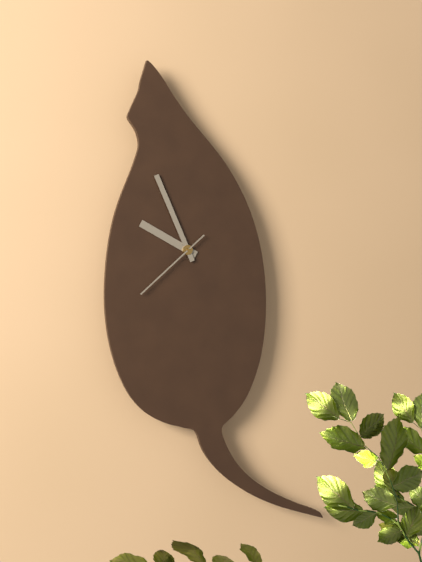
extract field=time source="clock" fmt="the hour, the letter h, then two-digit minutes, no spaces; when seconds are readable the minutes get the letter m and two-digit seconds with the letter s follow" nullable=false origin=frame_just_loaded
9h56m38s
